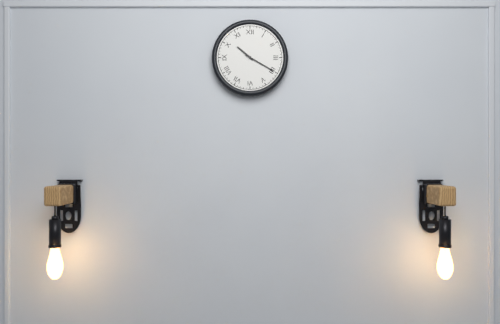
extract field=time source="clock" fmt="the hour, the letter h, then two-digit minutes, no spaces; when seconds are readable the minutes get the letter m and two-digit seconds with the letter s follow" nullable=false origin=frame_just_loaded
10h20
